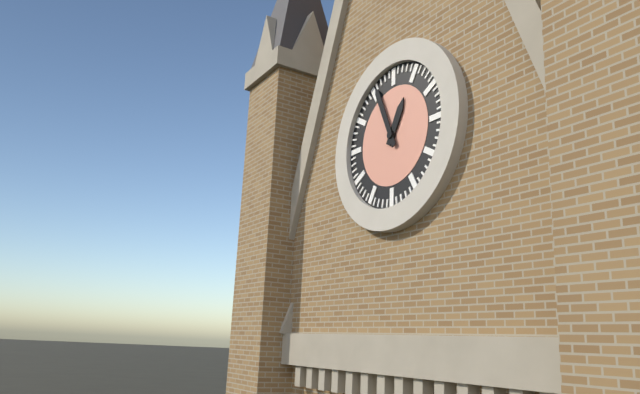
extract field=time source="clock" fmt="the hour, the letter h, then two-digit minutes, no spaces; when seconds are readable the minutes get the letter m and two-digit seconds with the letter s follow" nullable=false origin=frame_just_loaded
12h56
